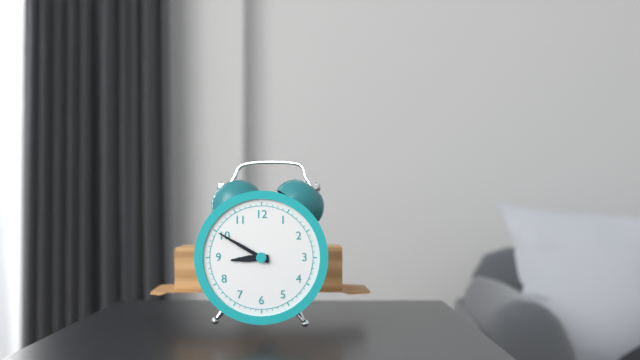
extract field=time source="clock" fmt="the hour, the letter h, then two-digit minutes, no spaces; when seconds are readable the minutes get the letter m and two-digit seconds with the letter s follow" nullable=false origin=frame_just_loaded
8h50
